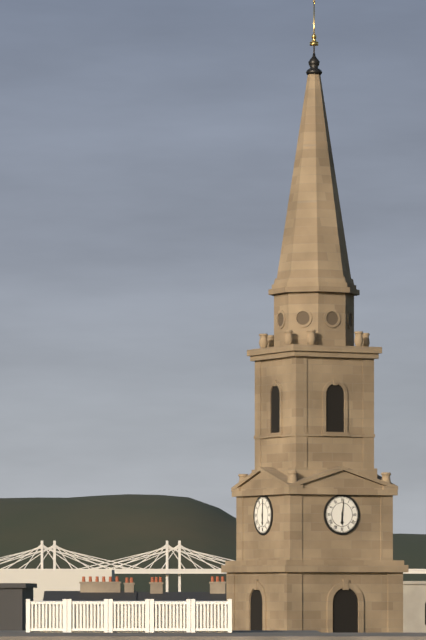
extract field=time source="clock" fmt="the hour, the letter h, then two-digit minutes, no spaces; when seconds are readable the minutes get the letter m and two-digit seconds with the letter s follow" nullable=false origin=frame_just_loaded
6h01
